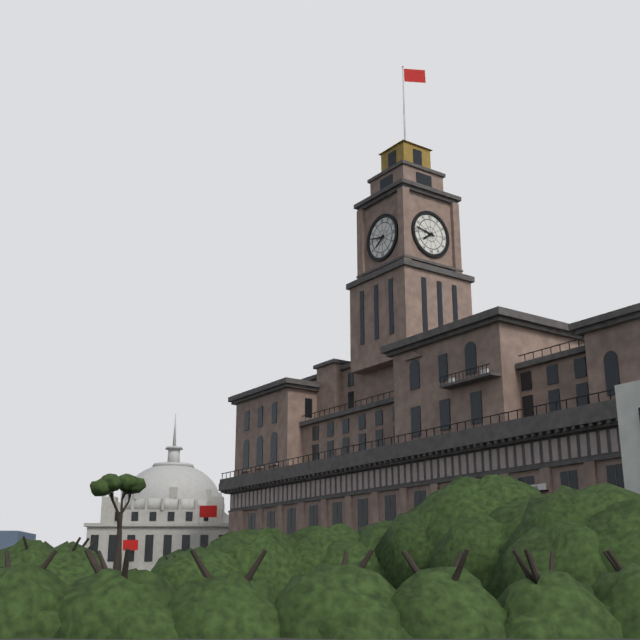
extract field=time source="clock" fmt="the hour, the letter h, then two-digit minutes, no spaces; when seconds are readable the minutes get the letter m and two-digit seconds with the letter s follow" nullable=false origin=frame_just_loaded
7h47
